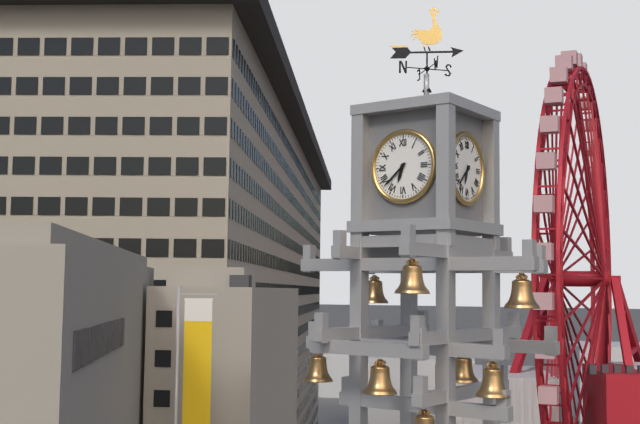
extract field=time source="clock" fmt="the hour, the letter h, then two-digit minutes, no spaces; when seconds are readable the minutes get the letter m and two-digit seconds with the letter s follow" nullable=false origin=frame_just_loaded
6h38
